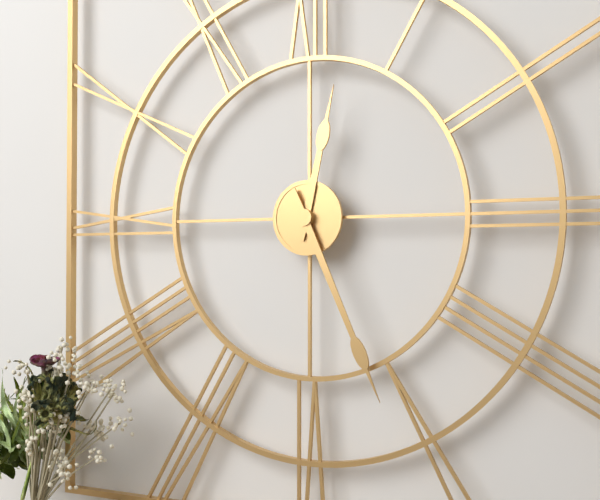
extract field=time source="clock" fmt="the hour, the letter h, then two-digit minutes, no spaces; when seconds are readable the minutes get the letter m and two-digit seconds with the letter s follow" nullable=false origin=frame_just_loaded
12h26
